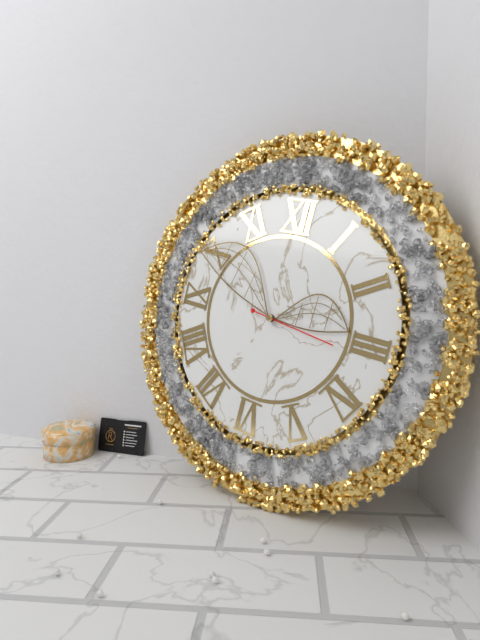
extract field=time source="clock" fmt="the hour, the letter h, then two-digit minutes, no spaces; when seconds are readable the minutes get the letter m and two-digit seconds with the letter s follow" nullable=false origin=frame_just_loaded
2h49m16s
